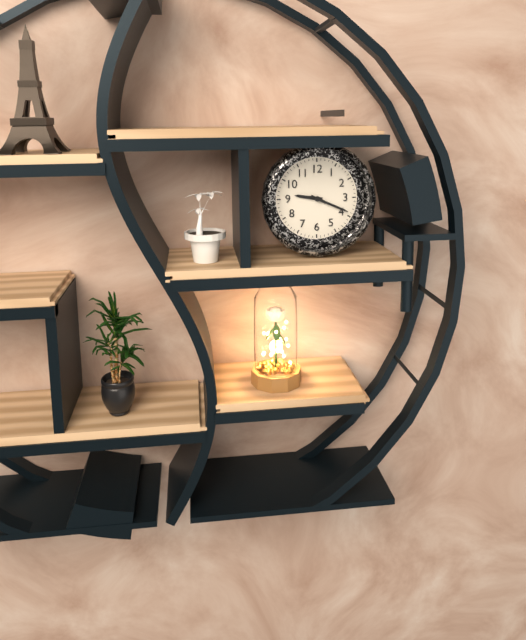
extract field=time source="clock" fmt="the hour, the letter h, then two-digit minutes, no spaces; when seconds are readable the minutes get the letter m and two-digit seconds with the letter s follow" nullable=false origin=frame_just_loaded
9h19
